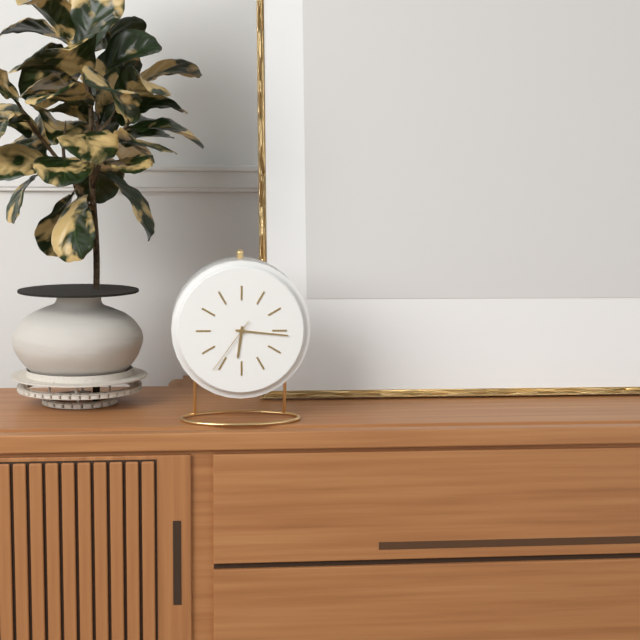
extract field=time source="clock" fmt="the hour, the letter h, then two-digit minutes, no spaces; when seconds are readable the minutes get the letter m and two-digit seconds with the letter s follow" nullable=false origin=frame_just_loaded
6h16m36s
